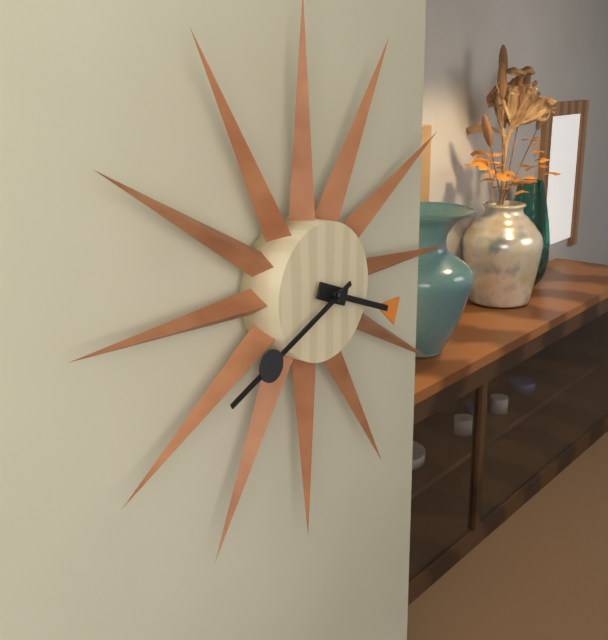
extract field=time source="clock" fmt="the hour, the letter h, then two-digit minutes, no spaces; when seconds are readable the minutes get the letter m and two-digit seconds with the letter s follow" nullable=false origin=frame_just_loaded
3h41
